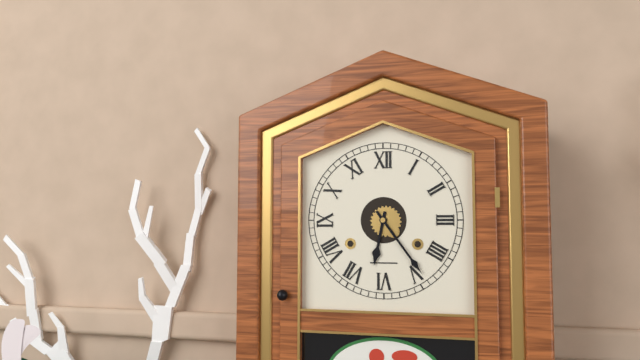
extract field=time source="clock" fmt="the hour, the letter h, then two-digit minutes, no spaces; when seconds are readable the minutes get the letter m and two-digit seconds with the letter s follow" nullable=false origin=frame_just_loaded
6h24
